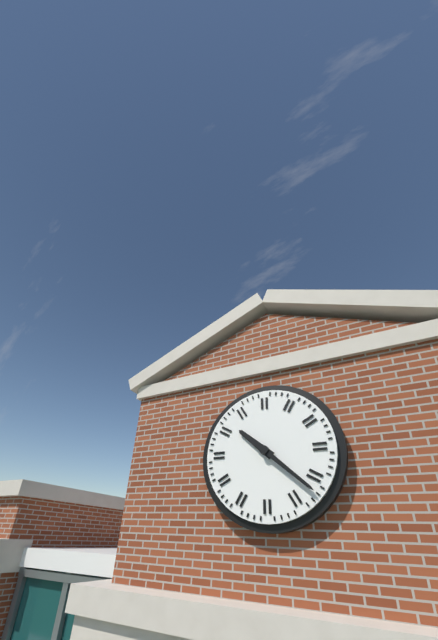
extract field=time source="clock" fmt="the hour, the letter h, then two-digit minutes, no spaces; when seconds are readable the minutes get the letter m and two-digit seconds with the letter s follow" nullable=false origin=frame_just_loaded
10h22
